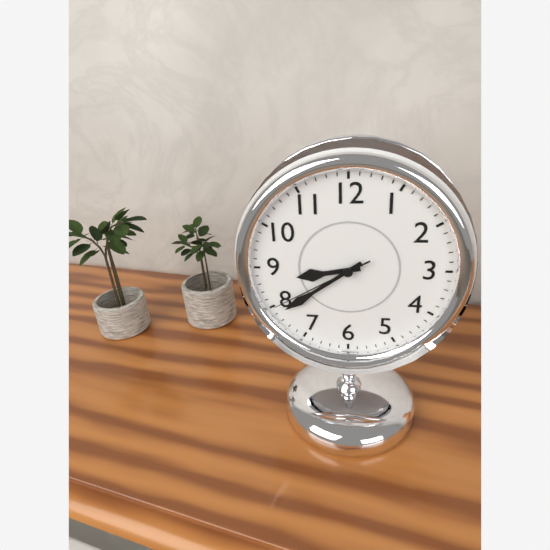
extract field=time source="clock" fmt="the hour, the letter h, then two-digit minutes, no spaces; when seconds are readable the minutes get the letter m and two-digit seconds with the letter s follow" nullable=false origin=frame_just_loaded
8h39m40s
